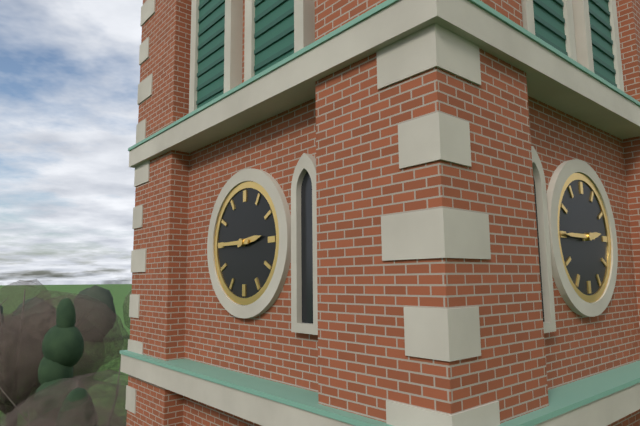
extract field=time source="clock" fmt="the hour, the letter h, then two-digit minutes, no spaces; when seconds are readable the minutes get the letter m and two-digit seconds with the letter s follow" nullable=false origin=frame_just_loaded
2h45
